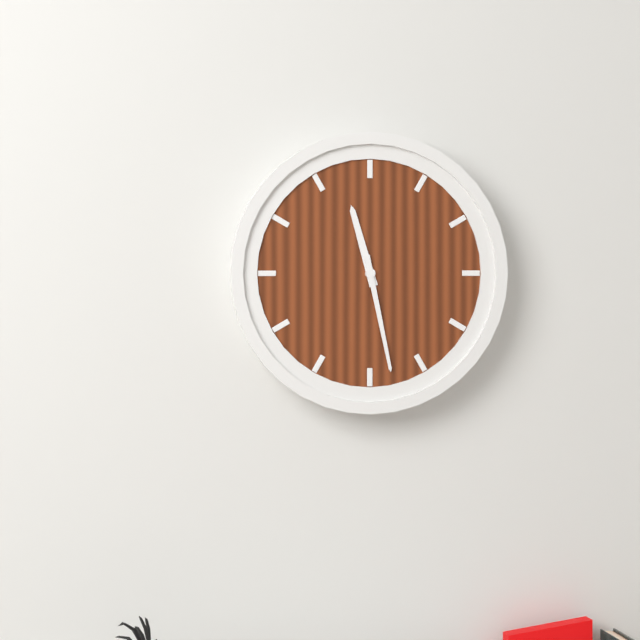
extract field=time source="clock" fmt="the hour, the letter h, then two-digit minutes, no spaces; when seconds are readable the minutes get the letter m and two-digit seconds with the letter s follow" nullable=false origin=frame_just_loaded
11h28
